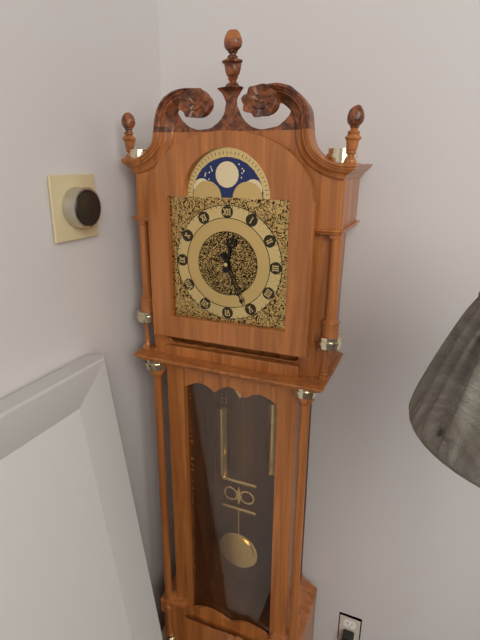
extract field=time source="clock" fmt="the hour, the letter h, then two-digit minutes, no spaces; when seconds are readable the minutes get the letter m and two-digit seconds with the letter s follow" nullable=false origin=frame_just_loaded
12h26
